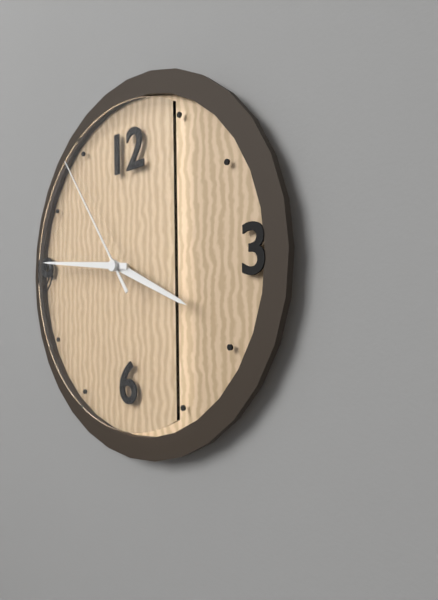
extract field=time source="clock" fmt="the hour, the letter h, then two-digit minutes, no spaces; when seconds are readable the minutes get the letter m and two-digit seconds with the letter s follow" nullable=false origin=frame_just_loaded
3h46m54s
